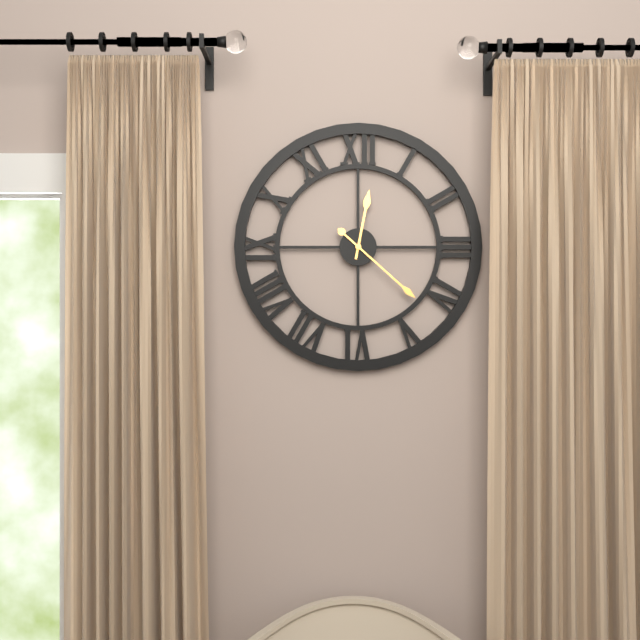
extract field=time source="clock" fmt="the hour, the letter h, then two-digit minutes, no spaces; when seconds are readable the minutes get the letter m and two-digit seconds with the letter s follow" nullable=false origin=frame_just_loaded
12h22
